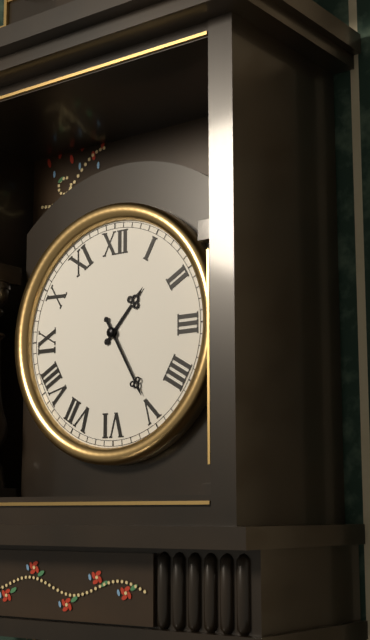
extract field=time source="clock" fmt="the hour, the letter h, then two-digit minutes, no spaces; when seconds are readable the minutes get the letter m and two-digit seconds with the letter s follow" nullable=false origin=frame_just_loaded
1h25
